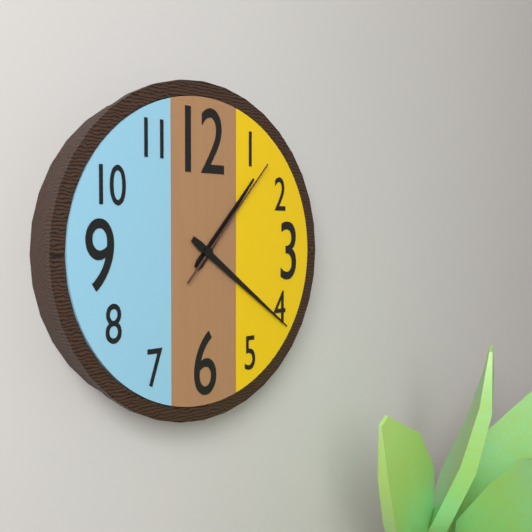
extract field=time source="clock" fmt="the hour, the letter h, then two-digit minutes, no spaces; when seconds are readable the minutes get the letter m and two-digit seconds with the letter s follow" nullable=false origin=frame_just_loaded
1h21m07s
